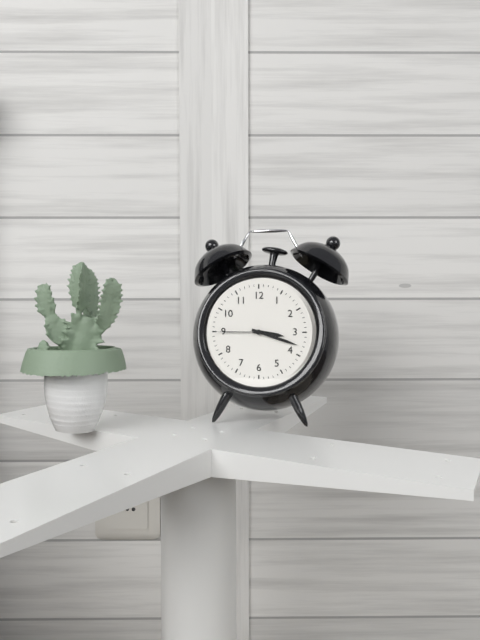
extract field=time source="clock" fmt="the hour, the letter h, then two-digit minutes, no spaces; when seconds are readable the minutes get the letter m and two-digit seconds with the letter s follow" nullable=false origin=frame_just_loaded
3h18m45s
